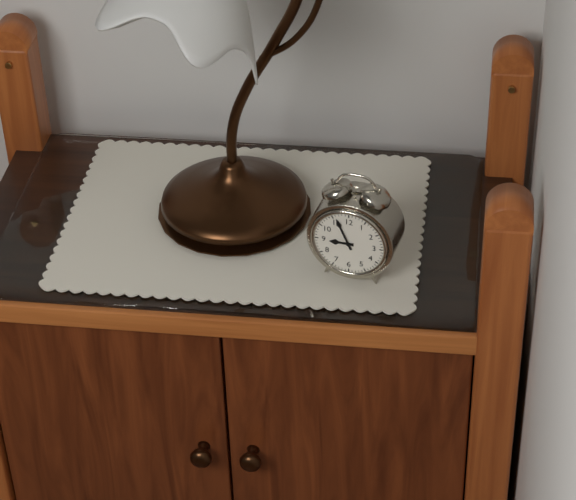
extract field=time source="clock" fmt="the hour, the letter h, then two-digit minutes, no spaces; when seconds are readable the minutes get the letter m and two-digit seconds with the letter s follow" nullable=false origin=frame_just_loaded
8h56
